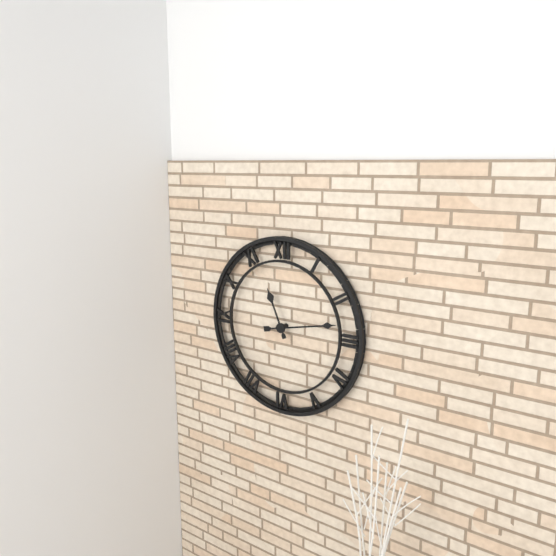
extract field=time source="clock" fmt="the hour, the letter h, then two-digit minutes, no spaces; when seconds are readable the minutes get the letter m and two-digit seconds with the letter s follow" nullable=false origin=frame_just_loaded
11h13
